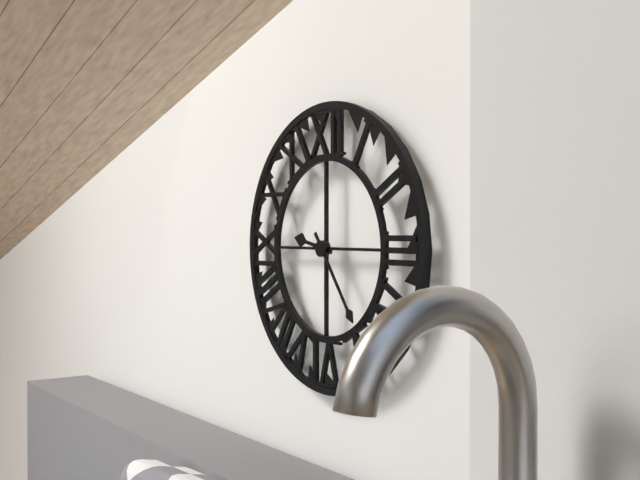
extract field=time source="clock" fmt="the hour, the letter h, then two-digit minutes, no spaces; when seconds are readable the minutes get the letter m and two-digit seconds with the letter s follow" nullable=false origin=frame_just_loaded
9h24
